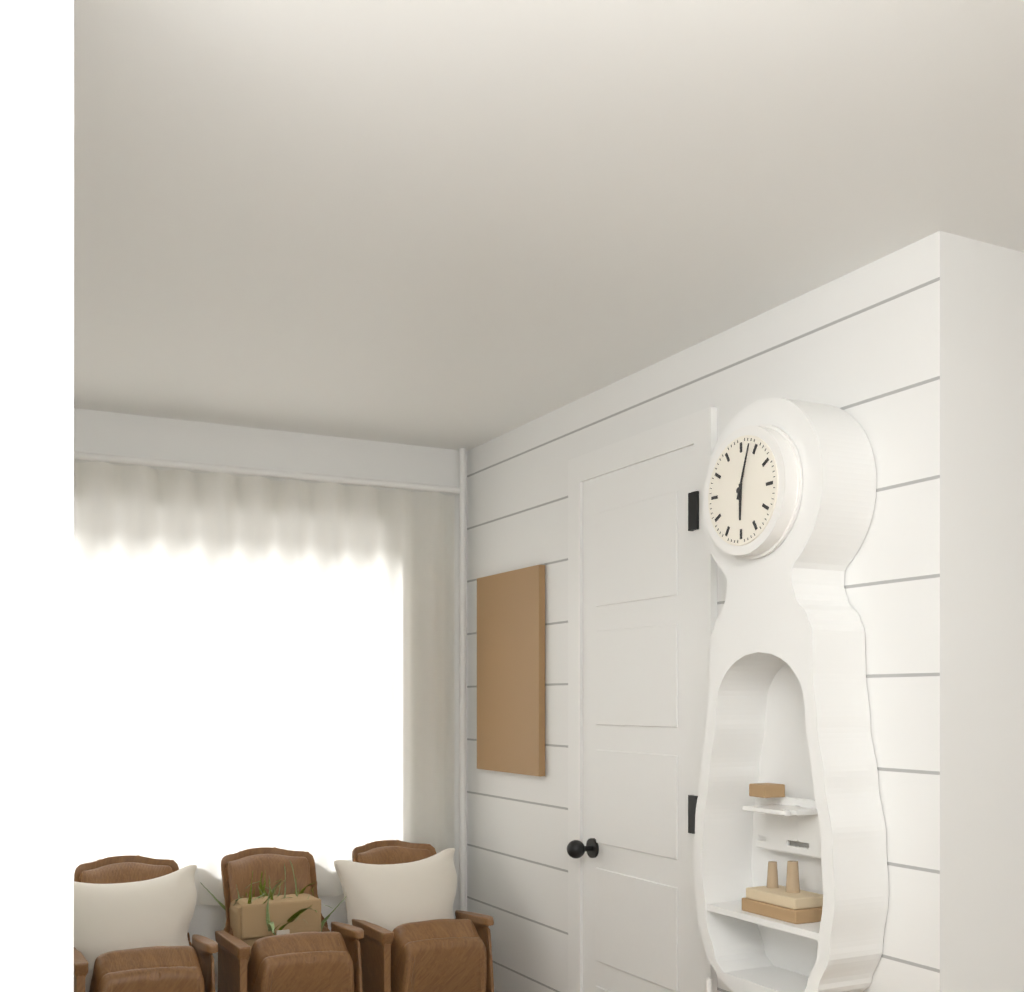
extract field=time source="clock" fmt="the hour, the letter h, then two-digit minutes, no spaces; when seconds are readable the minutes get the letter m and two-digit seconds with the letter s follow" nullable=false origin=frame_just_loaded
6h03
